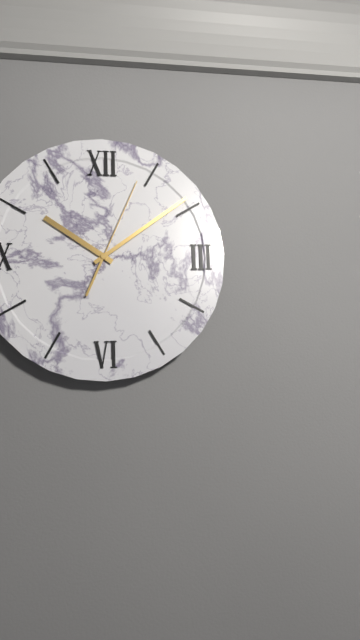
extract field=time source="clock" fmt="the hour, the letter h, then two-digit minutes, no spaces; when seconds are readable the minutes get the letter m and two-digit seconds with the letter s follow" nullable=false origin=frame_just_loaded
10h09m04s
